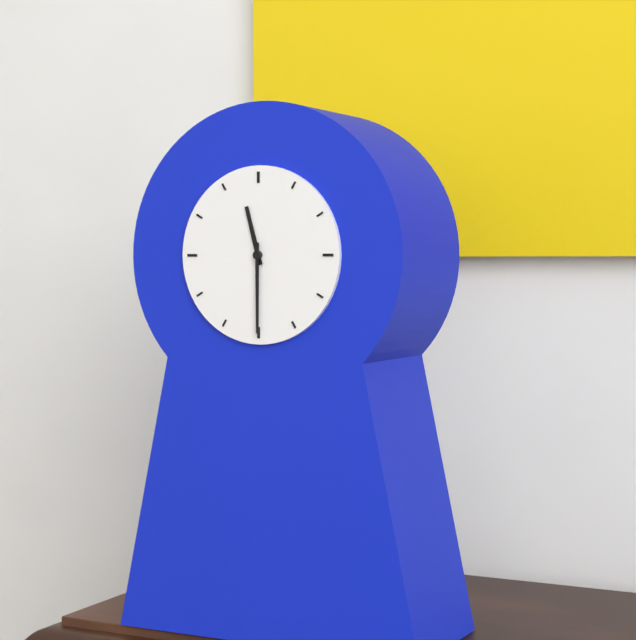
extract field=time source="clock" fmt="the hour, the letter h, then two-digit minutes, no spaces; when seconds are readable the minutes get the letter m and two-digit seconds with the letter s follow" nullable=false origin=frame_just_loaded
11h30
